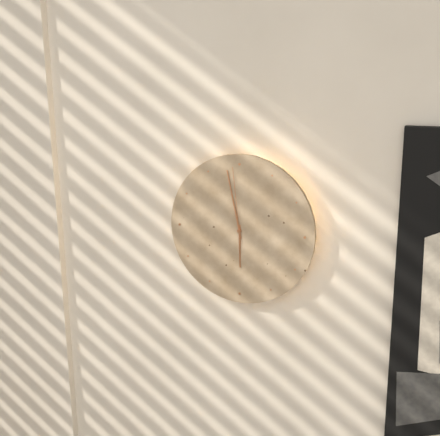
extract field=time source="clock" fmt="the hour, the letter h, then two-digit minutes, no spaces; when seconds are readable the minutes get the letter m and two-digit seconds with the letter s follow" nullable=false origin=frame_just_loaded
5h58m59s
